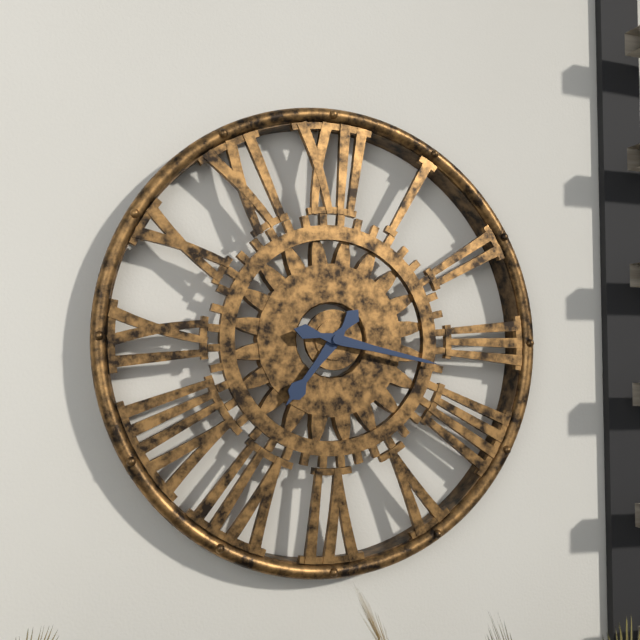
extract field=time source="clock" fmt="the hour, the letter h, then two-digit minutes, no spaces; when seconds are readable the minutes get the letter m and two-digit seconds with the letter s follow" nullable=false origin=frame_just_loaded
7h17
